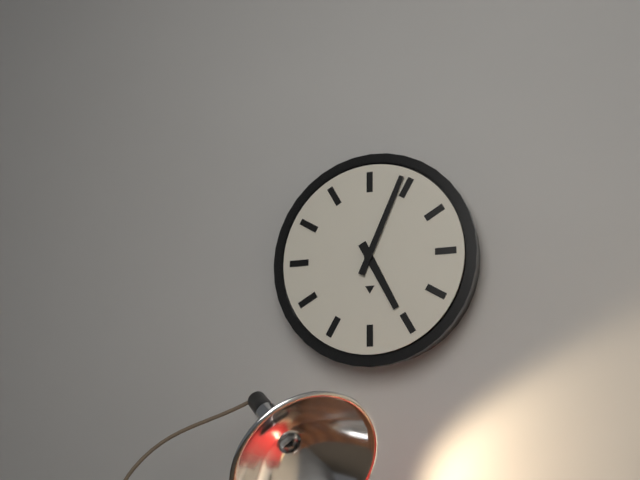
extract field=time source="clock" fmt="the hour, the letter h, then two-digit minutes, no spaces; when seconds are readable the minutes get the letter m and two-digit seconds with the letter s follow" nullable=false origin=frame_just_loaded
5h04
